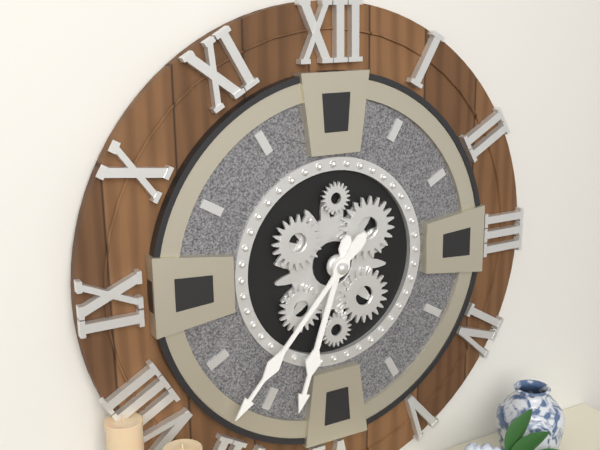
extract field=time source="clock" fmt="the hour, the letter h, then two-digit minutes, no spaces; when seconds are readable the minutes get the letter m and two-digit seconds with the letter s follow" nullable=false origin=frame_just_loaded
6h37
